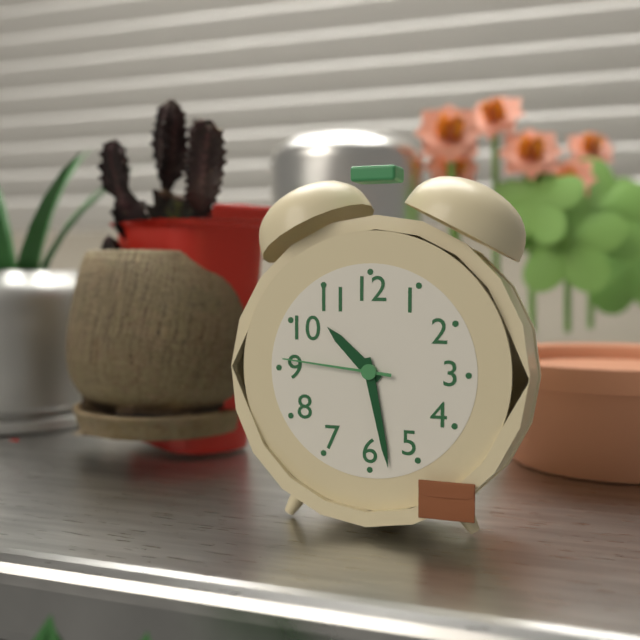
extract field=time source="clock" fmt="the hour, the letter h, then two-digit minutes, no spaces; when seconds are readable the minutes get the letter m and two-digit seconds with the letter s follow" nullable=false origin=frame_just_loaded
10h28m46s
